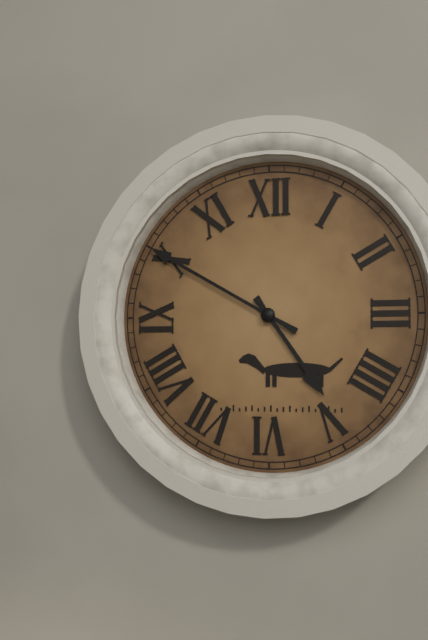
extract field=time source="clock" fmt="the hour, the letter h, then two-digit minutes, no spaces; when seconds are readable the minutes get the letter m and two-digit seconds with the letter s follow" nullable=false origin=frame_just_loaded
4h50
